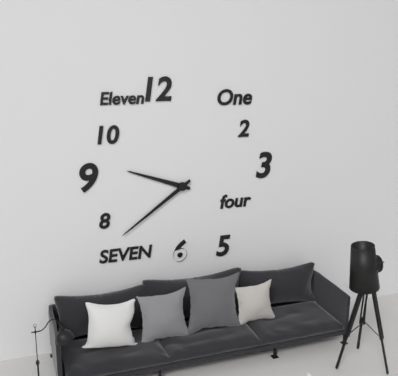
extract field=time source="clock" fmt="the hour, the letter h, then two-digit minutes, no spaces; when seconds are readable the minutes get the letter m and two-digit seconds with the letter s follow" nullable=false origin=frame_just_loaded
9h39
